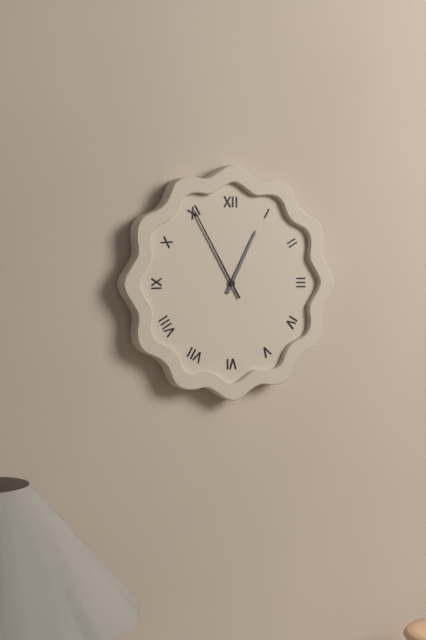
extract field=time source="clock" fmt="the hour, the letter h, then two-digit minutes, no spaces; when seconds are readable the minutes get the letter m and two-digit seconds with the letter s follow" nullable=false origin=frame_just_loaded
12h55
